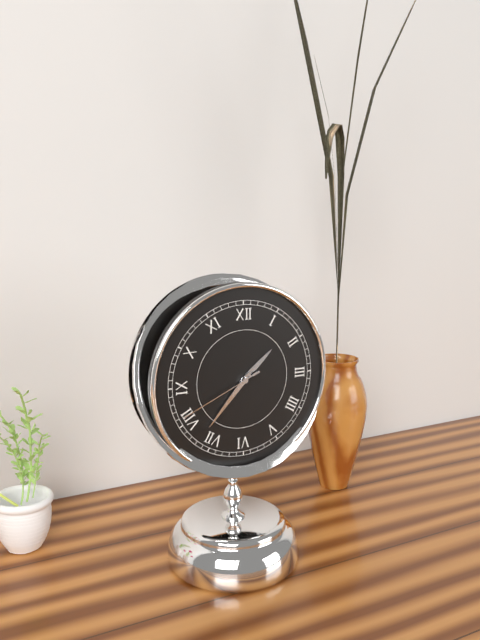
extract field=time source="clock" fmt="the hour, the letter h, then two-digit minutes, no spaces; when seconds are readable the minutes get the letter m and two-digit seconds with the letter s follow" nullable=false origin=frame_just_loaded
1h37m41s
